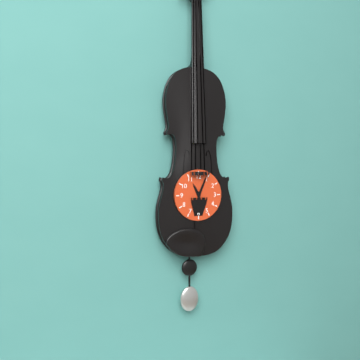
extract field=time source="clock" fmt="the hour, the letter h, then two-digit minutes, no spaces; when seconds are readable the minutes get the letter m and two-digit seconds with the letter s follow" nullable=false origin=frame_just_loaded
11h04
